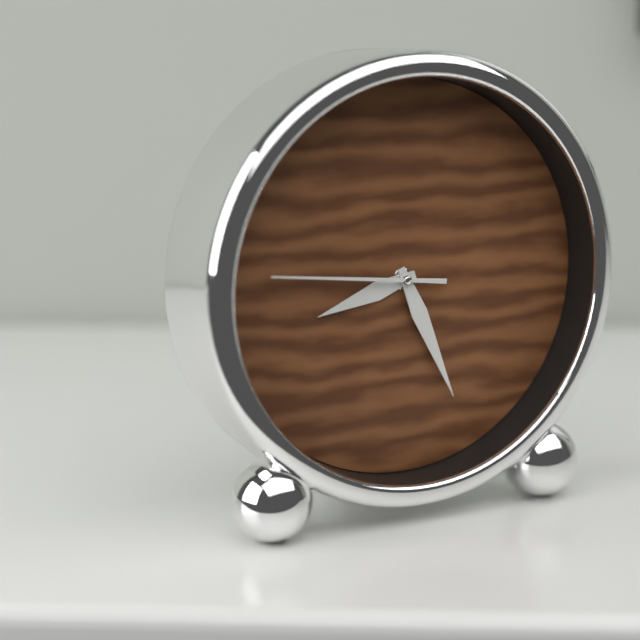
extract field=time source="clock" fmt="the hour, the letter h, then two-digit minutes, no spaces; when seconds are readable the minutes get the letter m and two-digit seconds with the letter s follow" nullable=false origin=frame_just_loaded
8h26m46s
